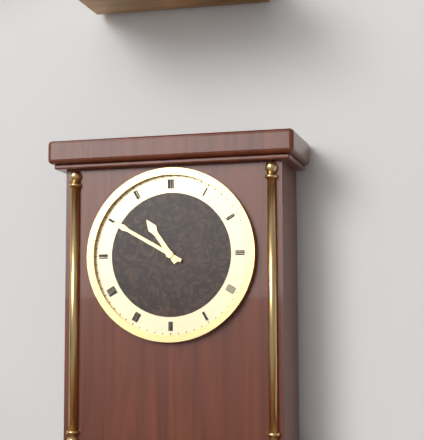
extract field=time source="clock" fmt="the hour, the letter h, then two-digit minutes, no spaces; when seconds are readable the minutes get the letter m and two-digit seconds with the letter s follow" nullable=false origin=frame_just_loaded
10h50
